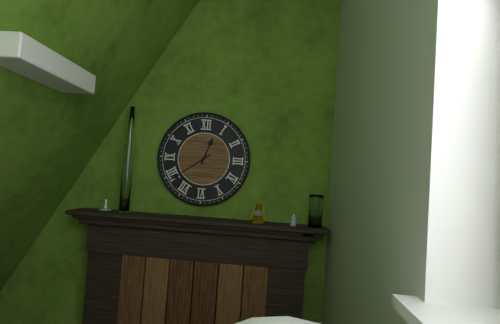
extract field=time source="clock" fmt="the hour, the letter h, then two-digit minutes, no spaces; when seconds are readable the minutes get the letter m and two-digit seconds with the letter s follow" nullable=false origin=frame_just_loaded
12h39
